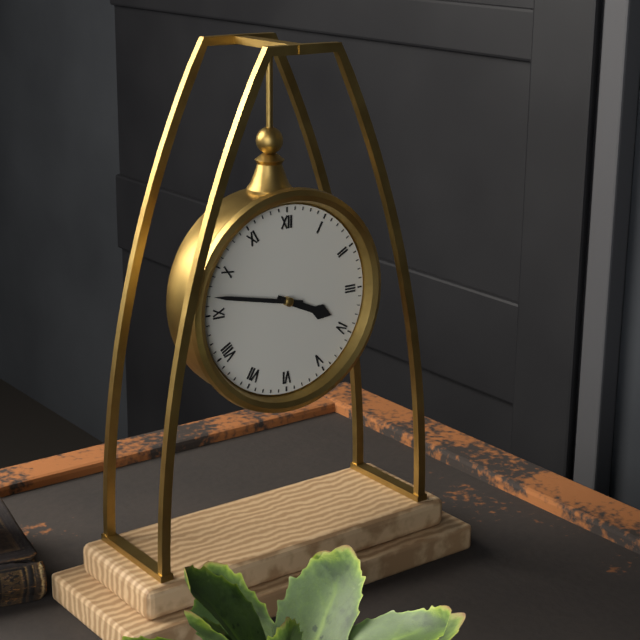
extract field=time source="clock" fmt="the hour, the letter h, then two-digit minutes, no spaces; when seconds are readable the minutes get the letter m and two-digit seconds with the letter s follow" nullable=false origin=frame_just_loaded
3h47
